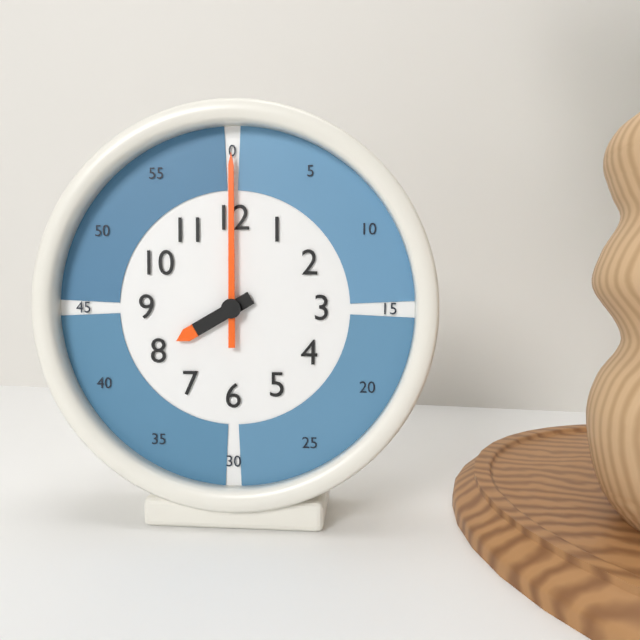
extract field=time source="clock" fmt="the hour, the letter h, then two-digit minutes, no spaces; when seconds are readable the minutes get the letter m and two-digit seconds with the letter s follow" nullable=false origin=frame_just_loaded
8h00
